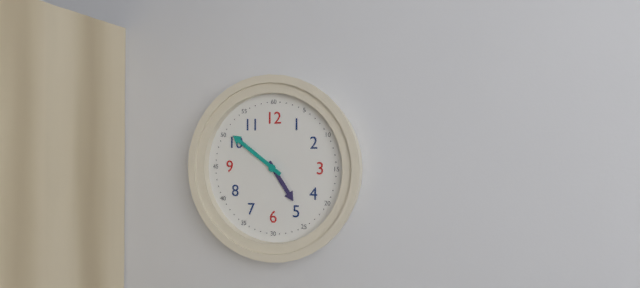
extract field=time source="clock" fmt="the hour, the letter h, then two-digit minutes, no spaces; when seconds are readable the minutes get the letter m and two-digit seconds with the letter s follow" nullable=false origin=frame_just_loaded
4h51
